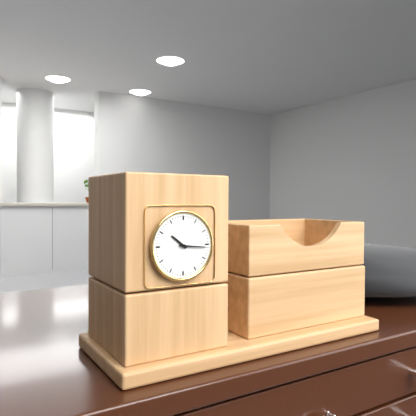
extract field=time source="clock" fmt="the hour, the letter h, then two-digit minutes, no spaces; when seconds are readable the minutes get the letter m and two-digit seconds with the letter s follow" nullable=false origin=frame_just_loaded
10h16
